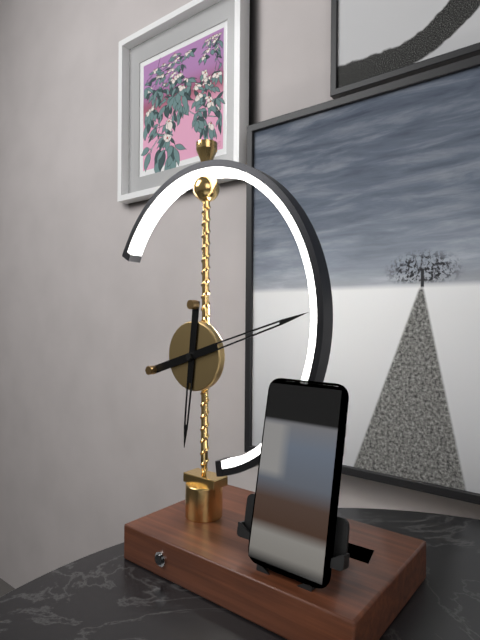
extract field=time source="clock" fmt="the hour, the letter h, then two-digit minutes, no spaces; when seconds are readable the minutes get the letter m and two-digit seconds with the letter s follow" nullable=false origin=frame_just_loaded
6h12
